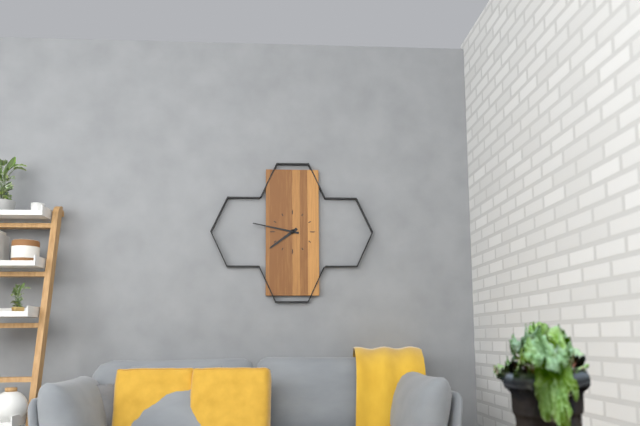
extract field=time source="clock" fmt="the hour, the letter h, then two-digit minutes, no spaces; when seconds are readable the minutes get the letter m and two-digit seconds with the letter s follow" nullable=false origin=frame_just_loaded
7h47
